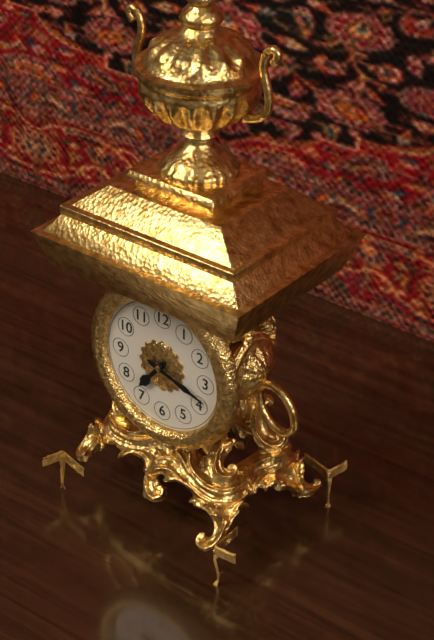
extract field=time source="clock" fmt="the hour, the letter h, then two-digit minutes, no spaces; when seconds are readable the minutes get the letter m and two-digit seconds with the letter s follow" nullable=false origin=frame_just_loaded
7h18
